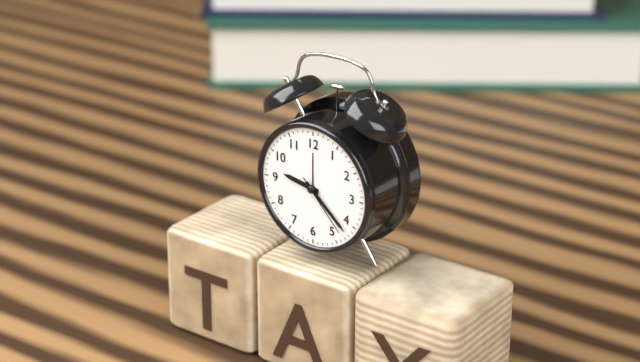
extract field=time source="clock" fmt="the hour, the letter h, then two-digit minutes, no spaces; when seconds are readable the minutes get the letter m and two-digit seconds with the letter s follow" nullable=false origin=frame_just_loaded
9h22m23s
